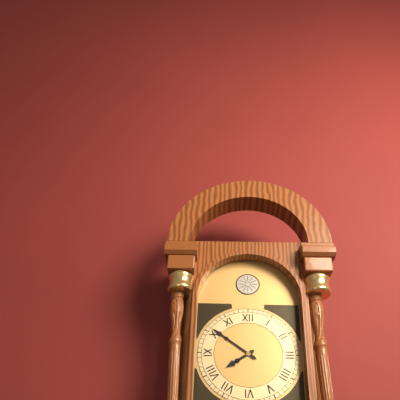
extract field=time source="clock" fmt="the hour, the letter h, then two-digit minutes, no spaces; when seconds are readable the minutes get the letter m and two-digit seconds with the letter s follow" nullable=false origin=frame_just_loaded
7h51
